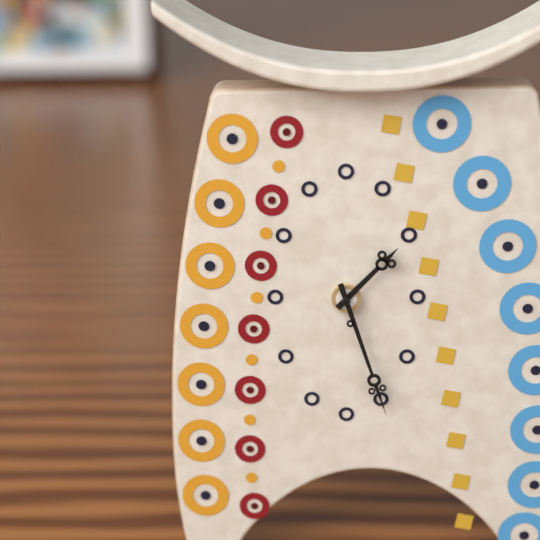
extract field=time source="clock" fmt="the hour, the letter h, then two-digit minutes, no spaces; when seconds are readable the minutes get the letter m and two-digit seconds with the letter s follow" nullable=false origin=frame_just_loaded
1h27
